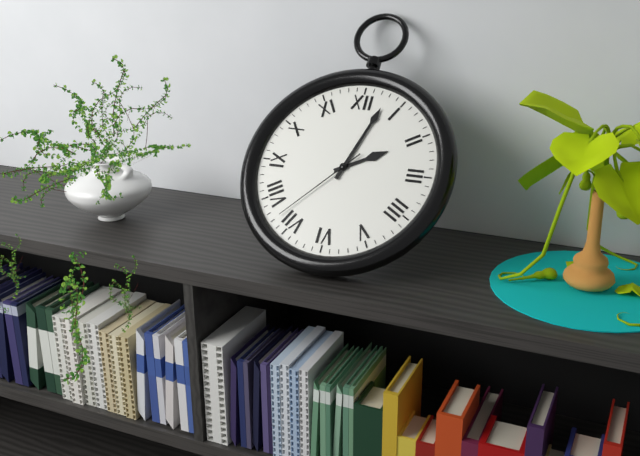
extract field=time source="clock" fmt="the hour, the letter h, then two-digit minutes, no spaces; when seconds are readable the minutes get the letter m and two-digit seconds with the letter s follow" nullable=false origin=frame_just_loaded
2h03m37s
